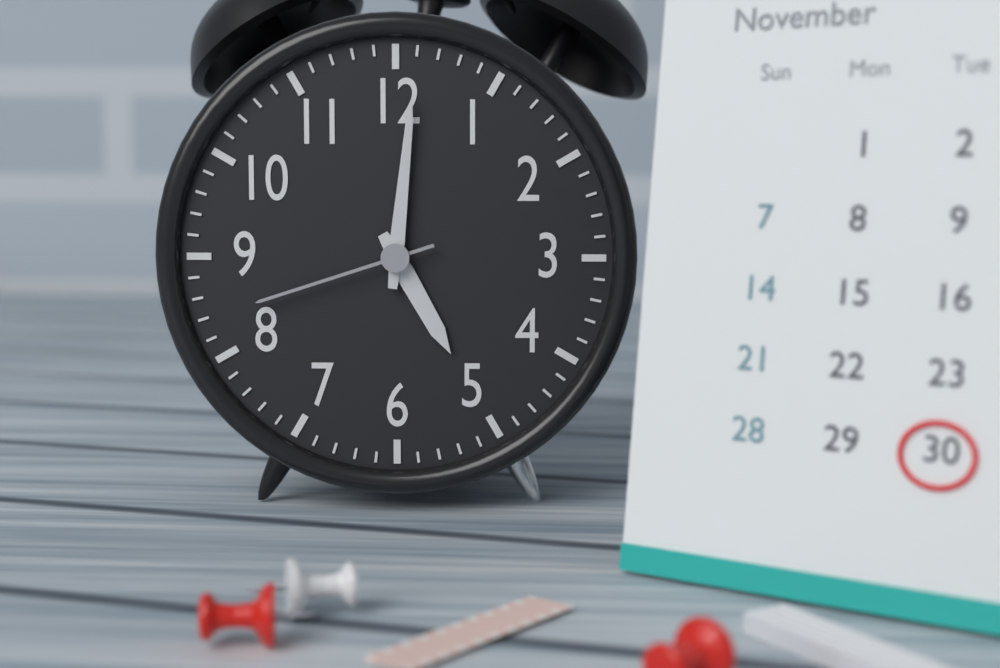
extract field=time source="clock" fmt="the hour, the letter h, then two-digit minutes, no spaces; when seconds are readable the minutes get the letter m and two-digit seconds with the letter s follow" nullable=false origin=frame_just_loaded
5h01m42s
